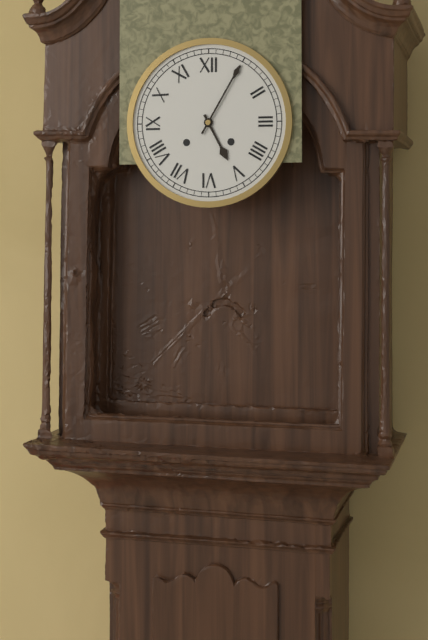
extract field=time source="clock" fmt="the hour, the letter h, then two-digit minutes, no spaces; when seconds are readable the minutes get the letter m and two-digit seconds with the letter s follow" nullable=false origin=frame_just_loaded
5h05
